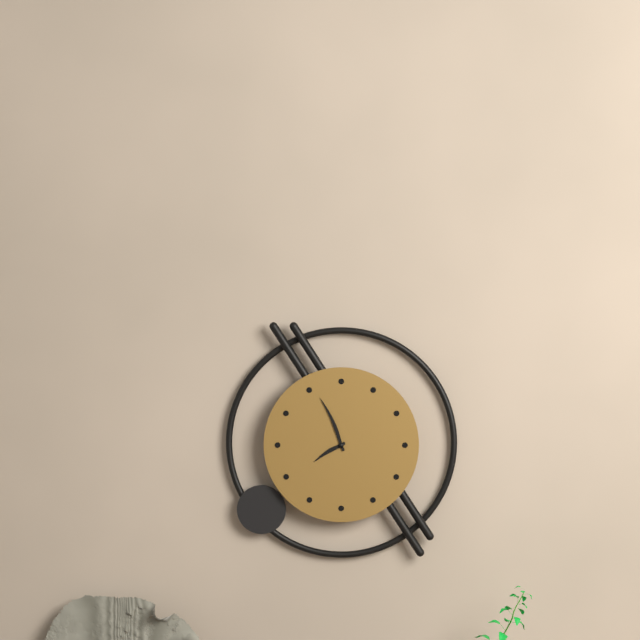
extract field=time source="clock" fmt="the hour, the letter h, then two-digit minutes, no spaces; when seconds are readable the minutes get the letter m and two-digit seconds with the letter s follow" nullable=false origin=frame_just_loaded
7h56
